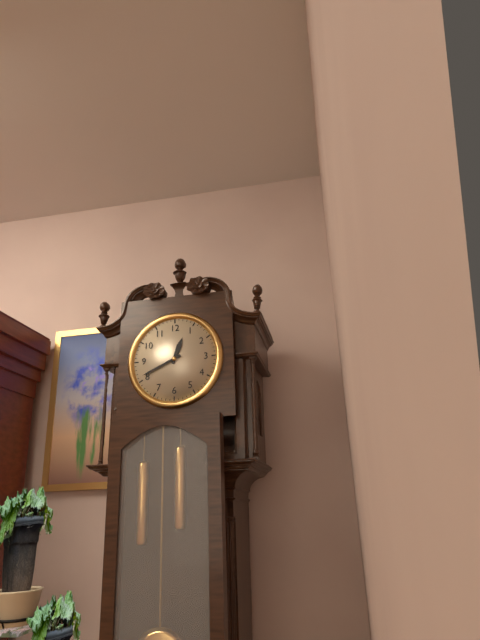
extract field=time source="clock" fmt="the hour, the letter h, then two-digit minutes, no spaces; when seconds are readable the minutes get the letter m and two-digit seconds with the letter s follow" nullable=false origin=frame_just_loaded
12h41
